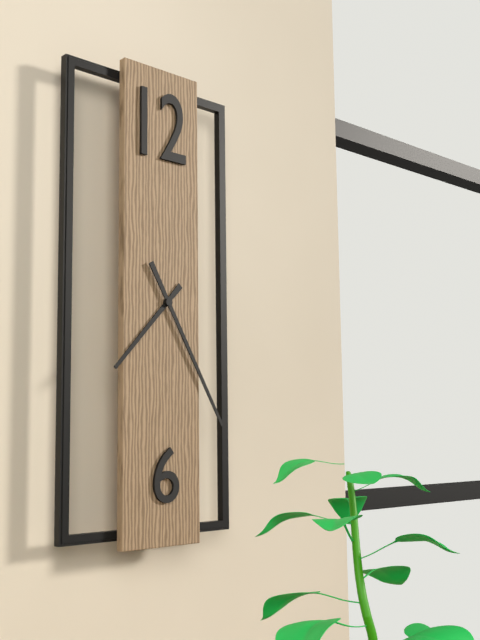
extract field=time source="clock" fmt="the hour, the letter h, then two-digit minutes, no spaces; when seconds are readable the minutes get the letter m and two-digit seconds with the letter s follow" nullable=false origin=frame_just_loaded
7h25
